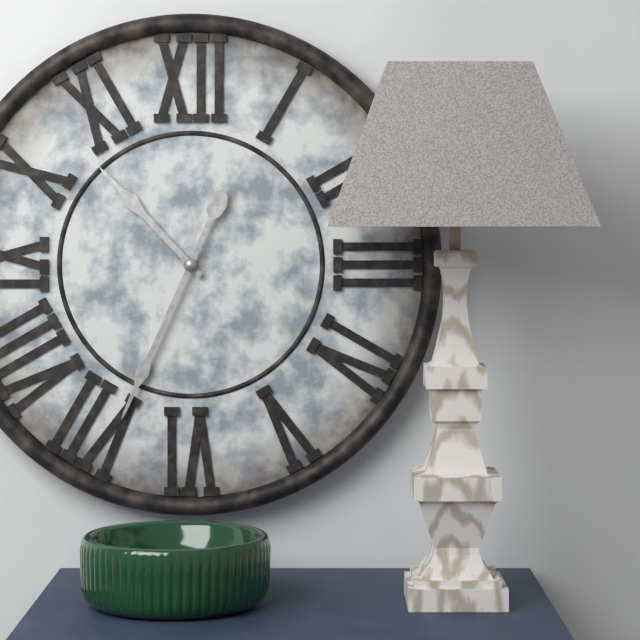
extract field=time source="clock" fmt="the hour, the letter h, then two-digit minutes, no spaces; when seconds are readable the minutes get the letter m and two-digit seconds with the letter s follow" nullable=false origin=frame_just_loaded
10h34
